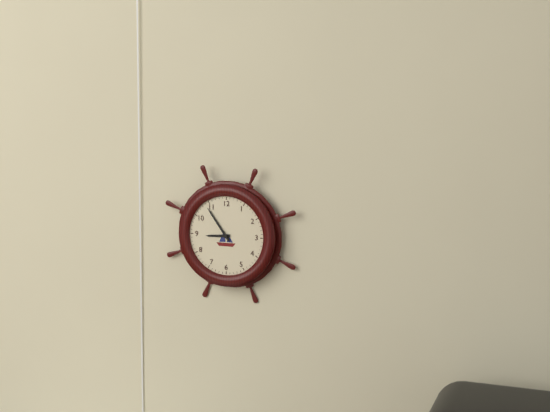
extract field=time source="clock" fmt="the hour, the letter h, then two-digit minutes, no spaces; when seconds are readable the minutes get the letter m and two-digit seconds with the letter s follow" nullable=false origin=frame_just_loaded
8h54
